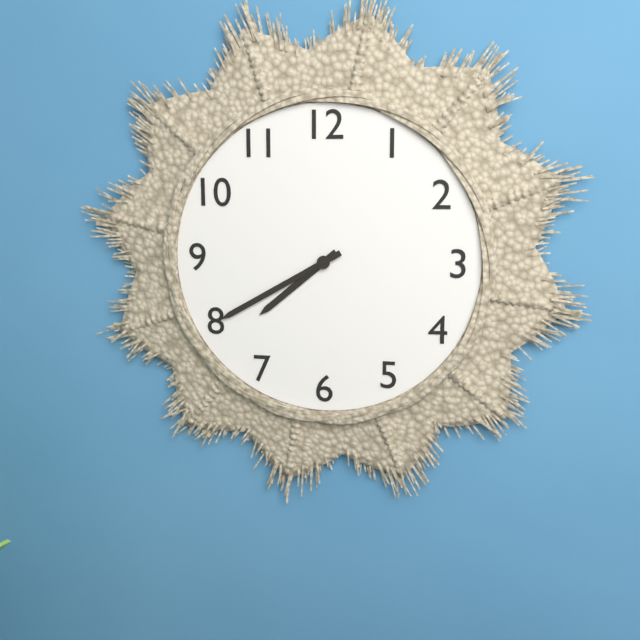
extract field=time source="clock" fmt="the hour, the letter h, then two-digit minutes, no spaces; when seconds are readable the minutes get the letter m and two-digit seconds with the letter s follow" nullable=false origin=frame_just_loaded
7h40
